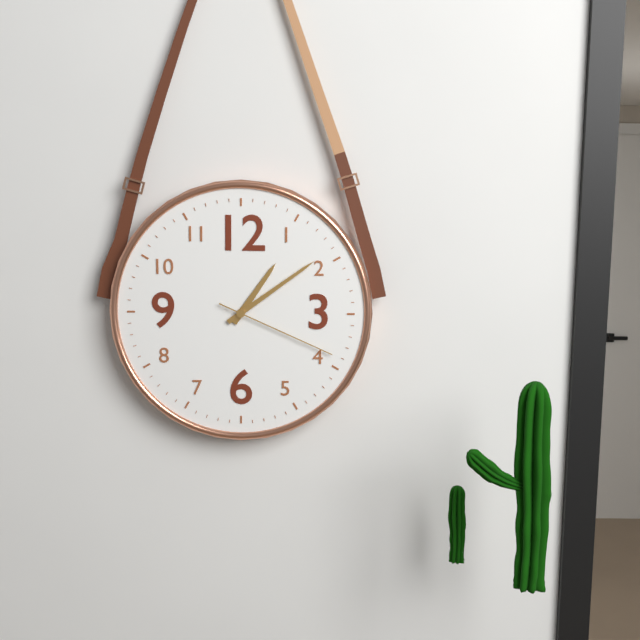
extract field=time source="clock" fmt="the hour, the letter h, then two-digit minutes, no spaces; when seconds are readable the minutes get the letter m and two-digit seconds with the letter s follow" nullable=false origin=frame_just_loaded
1h09m19s
